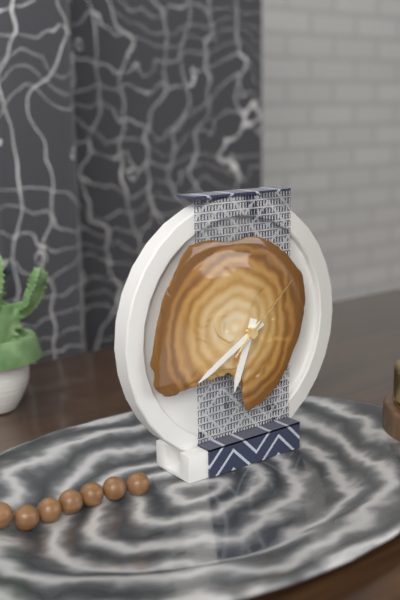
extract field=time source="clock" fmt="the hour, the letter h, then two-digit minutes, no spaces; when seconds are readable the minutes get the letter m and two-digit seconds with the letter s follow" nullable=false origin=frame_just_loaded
6h40m08s
